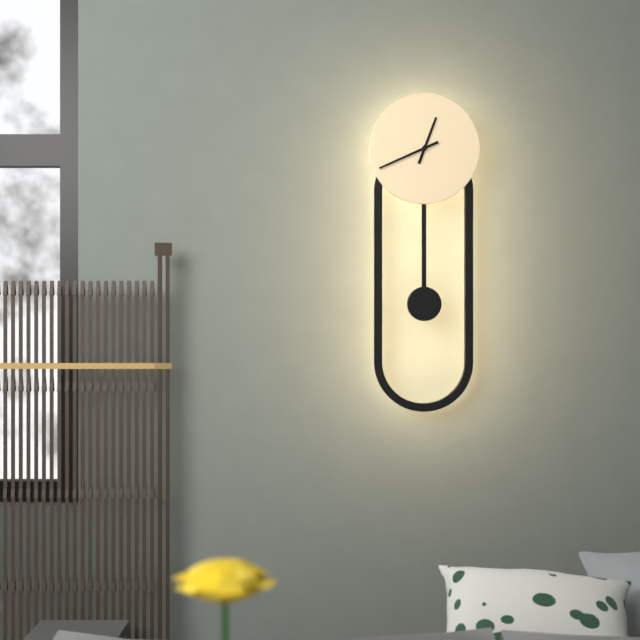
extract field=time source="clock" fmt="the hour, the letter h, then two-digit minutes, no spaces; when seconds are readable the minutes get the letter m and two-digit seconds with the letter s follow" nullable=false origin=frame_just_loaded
12h41
